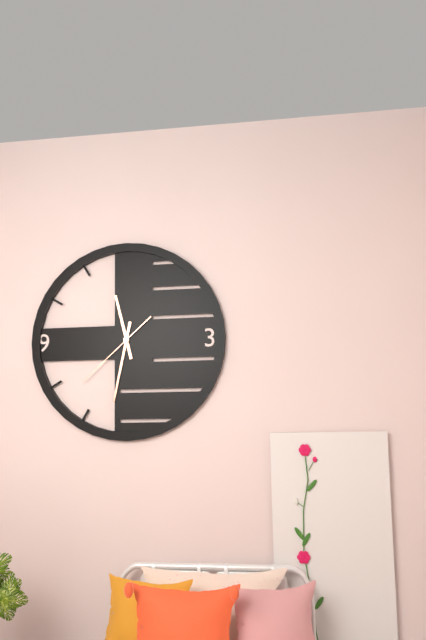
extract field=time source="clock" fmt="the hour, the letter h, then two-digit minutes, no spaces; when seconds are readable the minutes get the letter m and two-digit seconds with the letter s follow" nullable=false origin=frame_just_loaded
11h32m38s
